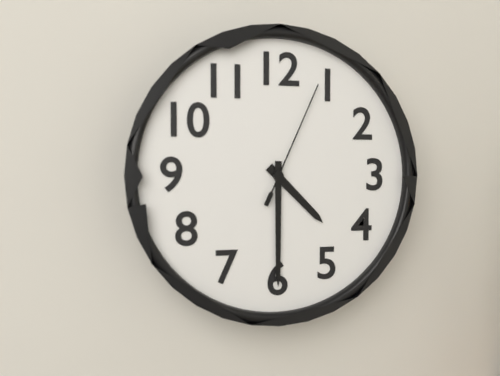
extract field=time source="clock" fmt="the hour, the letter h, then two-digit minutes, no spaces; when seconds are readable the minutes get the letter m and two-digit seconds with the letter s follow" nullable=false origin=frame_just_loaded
4h30m04s
